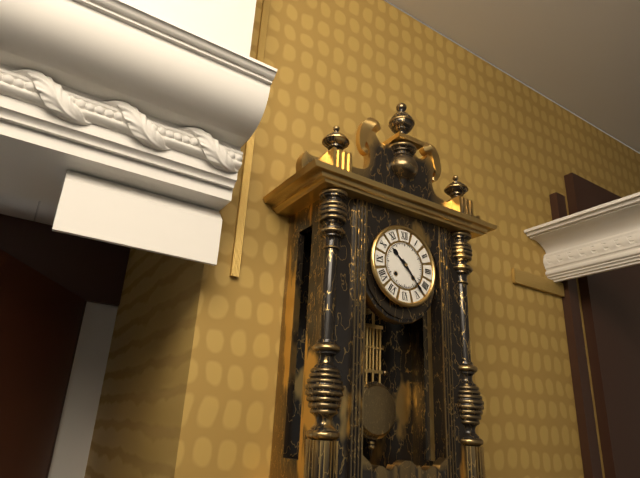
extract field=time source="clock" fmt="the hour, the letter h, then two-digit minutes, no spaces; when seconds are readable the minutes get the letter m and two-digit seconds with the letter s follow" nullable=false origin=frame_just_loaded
10h23
